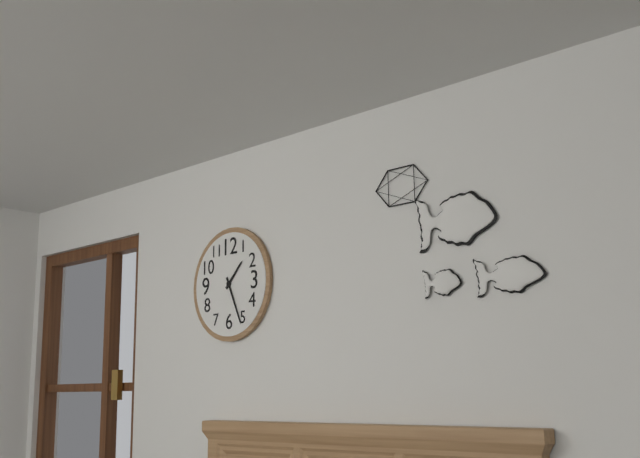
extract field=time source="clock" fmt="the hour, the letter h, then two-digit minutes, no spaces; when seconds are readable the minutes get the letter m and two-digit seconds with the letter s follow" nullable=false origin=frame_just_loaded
1h26
